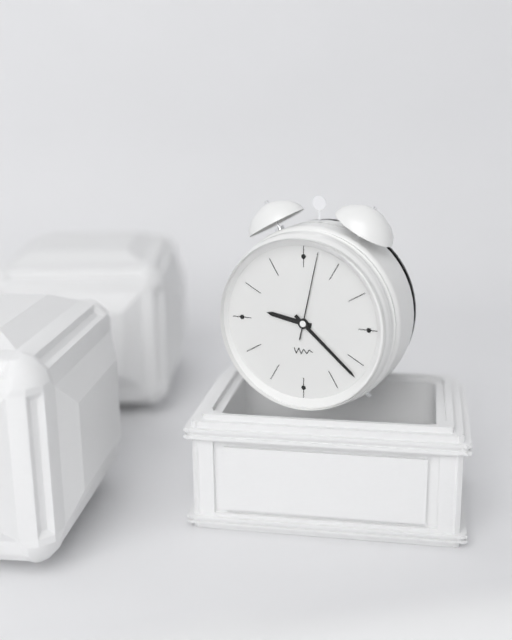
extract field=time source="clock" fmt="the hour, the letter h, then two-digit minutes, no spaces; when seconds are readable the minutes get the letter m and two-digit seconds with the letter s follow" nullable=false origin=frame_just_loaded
9h22m02s
